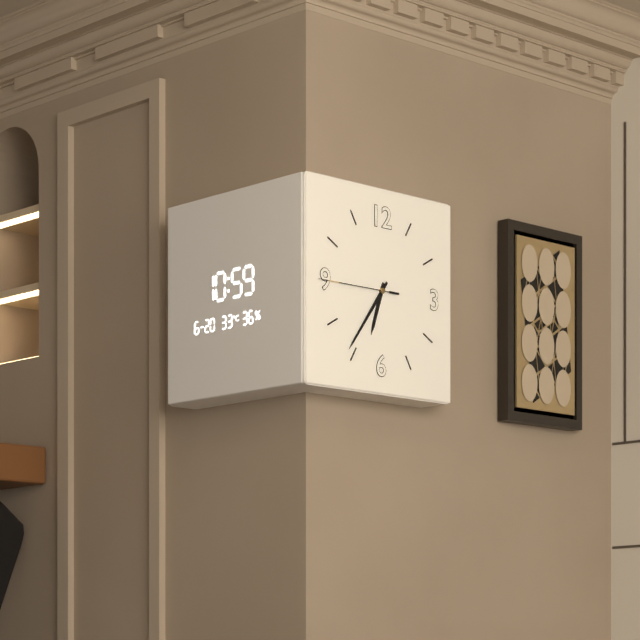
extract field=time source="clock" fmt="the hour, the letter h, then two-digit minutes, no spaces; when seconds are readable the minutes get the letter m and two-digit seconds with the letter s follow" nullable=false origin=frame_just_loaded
6h36m45s
